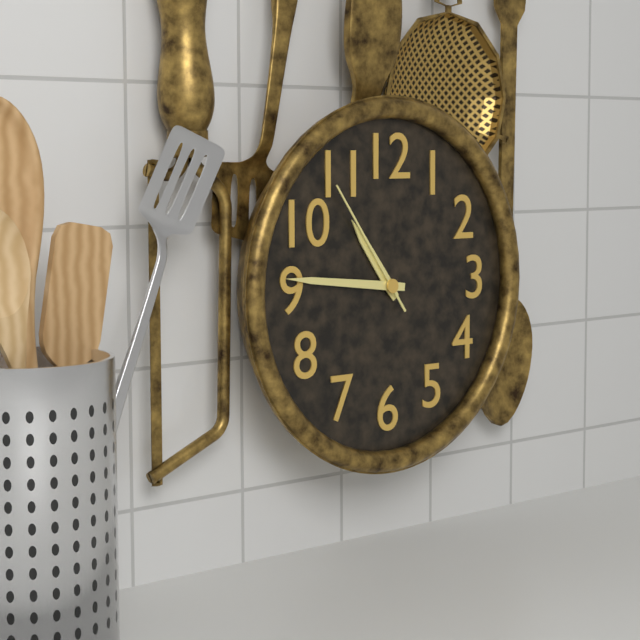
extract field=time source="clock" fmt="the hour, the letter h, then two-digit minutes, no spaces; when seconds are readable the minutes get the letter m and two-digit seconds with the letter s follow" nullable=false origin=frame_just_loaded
10h46m54s
